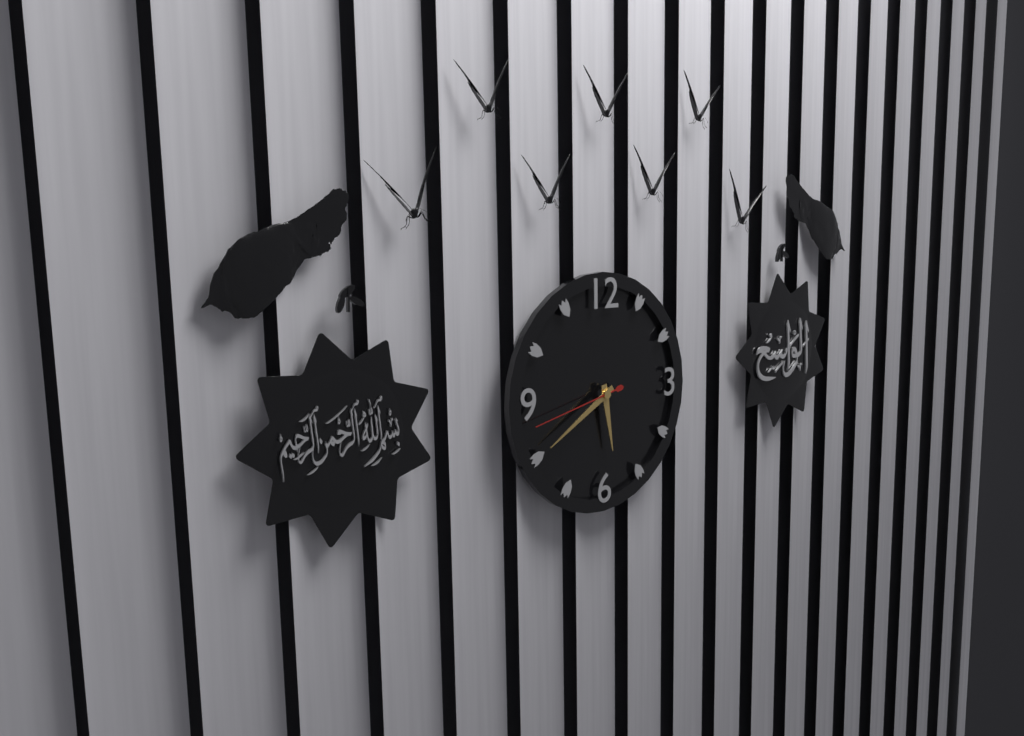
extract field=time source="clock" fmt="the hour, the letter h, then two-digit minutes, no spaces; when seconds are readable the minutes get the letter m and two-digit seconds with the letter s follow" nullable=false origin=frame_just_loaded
5h40m43s
